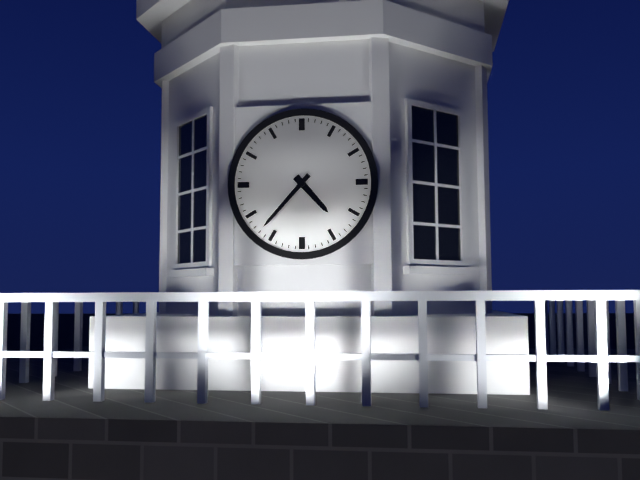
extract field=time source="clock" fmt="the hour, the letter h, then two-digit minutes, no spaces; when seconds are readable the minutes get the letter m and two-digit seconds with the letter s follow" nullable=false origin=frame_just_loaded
4h37
